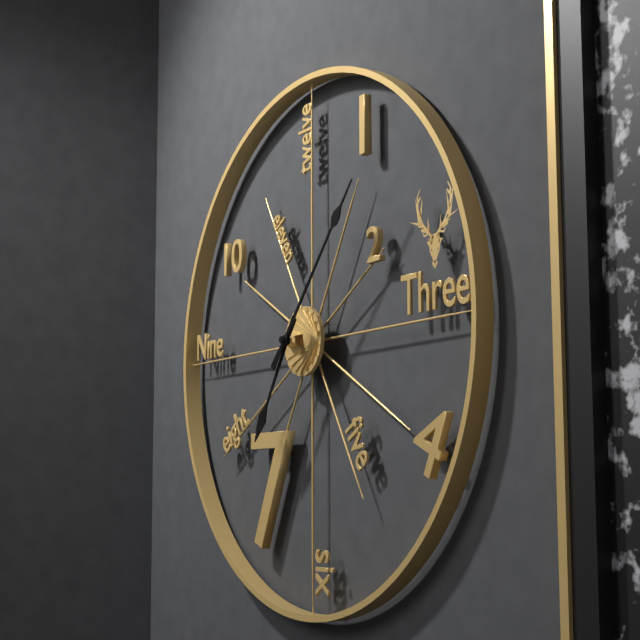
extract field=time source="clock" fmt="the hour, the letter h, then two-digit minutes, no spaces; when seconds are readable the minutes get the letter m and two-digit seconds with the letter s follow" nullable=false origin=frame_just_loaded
7h07
